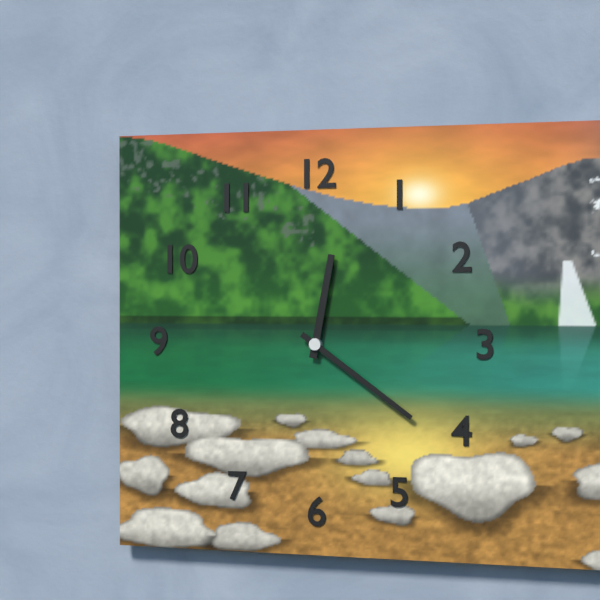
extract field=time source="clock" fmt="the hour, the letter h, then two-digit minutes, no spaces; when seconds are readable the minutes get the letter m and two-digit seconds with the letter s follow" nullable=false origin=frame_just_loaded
12h21
